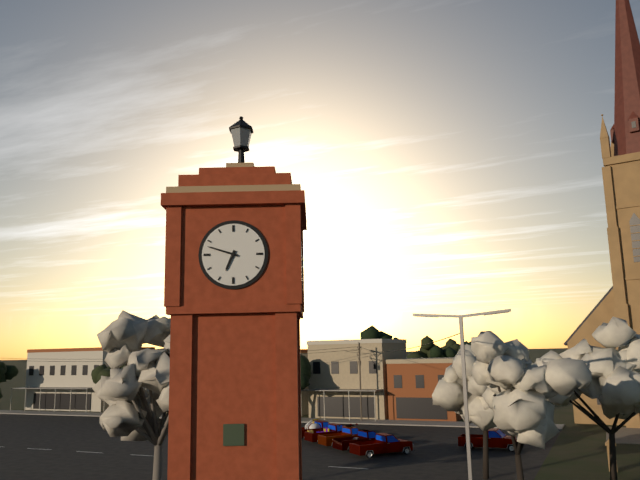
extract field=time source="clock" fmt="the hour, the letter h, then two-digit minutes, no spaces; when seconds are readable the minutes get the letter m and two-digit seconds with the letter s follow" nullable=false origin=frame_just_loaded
6h48
